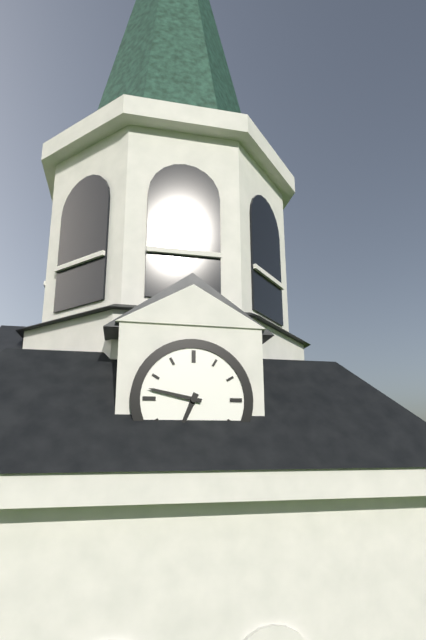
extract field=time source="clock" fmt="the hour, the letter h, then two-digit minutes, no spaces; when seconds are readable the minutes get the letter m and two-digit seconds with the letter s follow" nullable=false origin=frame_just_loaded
6h47
